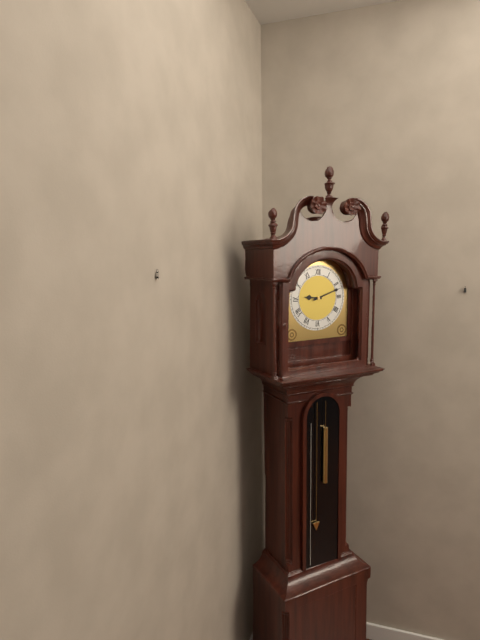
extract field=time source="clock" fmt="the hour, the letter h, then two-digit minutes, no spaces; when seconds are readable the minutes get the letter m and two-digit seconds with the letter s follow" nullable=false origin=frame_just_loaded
9h12
